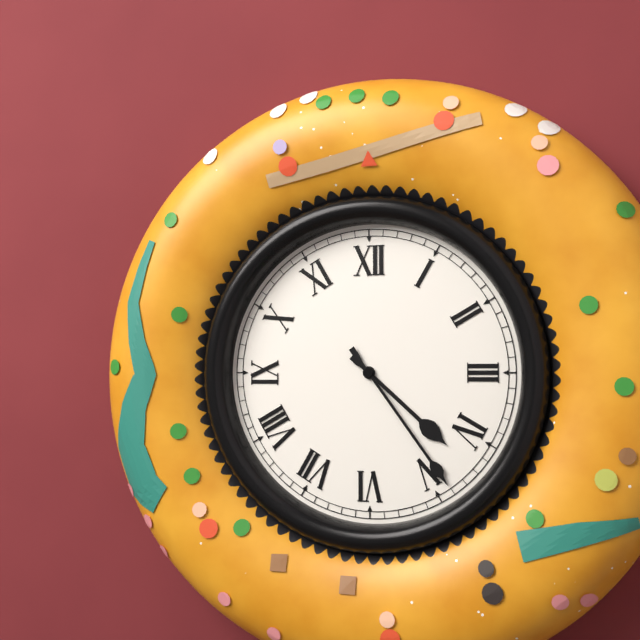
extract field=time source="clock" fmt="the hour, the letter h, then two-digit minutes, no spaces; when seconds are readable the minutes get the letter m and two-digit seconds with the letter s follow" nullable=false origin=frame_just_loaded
4h24
